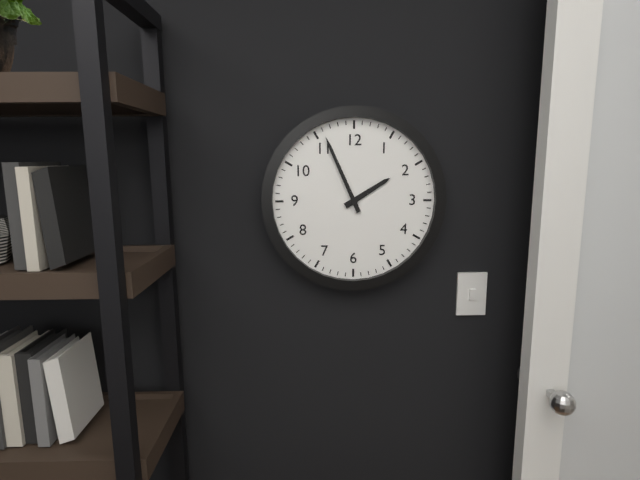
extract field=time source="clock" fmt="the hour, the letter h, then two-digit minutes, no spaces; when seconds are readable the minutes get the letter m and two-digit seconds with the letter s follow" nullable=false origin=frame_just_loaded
1h56
